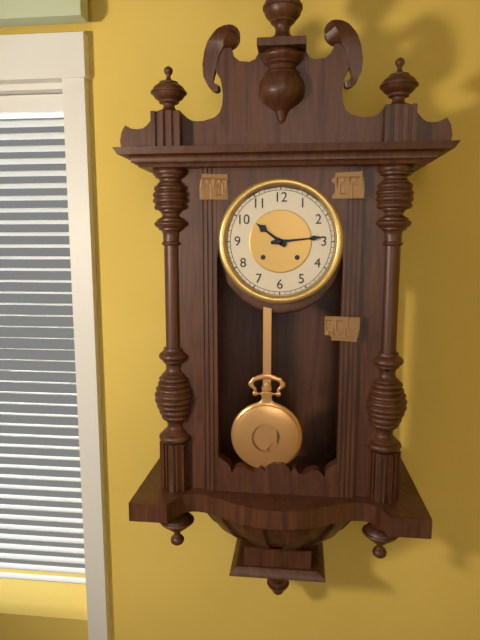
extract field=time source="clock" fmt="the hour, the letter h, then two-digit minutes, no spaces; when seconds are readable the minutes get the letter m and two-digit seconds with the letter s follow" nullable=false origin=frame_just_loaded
10h14
